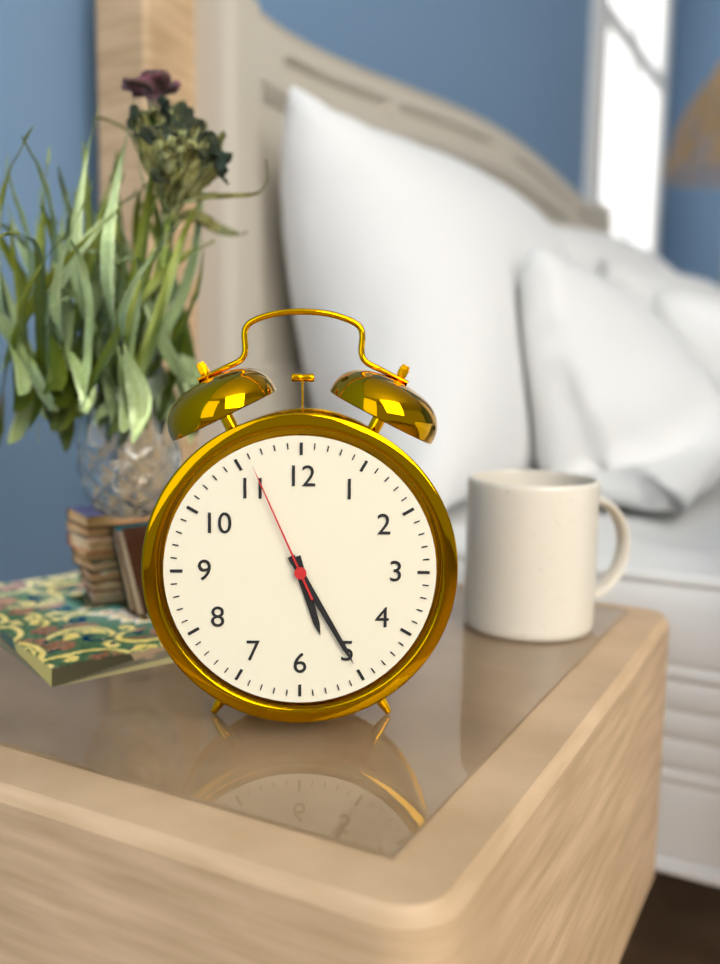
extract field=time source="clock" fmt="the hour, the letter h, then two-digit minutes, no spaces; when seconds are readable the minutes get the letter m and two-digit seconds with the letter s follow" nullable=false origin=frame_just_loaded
5h25m56s
